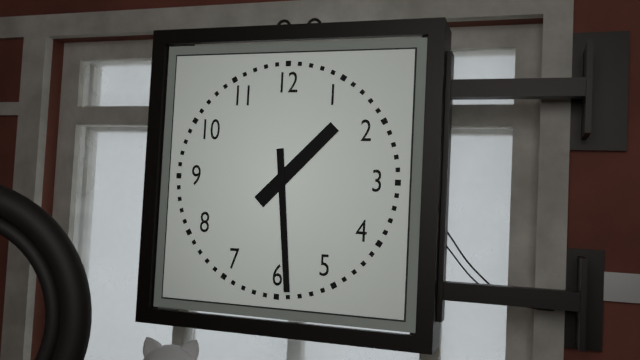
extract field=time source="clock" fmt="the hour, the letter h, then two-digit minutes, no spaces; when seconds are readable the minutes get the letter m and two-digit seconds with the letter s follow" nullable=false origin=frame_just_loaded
1h29
